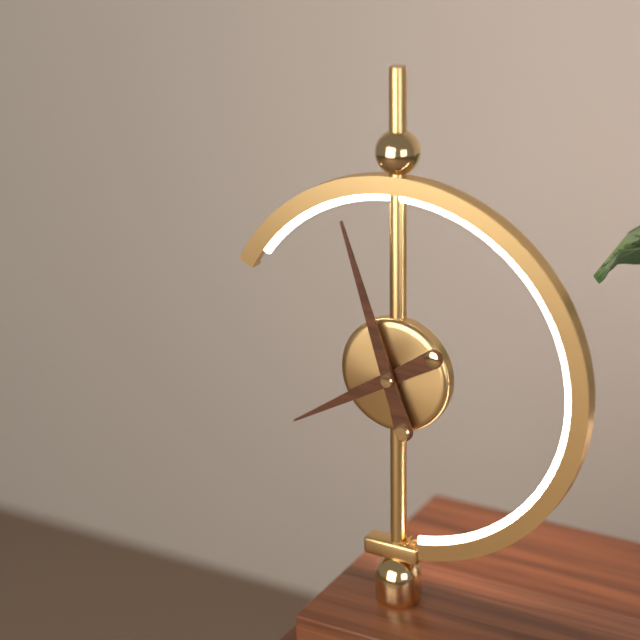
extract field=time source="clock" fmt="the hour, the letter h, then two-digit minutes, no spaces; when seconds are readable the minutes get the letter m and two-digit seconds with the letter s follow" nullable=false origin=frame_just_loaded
7h57
